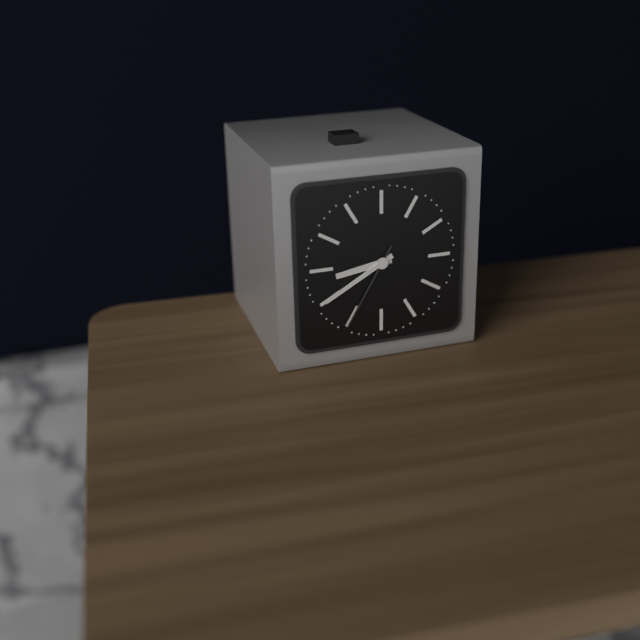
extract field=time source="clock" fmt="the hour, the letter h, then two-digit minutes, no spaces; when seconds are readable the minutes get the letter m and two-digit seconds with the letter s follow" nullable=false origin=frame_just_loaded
8h40m35s
